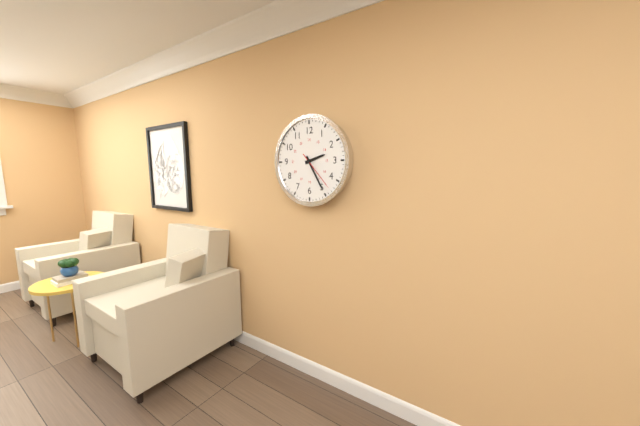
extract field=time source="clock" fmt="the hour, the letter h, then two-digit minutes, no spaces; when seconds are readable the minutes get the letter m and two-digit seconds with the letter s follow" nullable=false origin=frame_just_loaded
2h25
